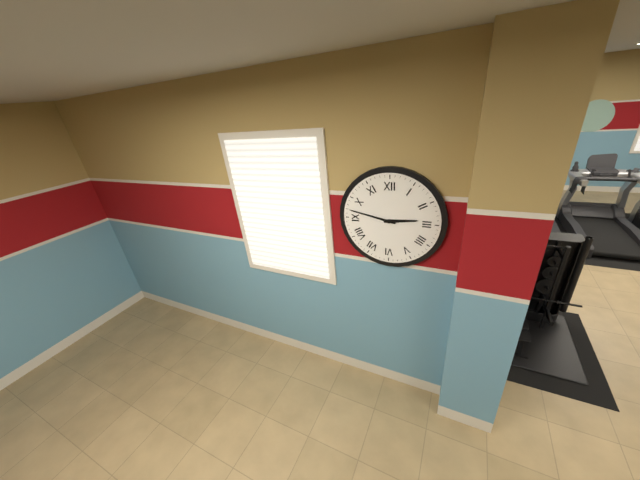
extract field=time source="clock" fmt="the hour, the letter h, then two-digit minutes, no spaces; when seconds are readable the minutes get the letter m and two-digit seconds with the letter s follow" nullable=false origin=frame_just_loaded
2h47
